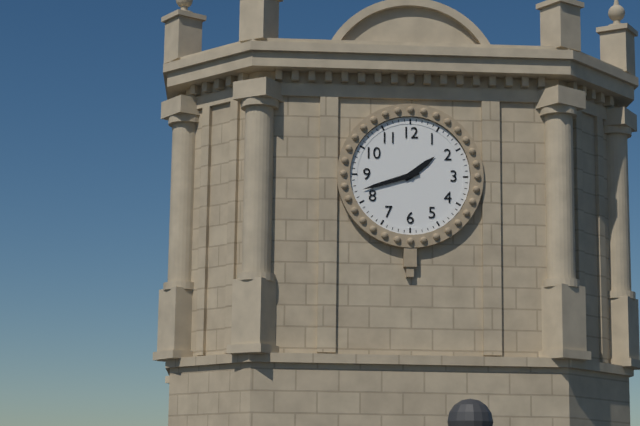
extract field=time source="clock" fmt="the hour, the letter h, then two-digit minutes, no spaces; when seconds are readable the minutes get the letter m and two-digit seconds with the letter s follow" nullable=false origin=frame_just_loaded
1h42
